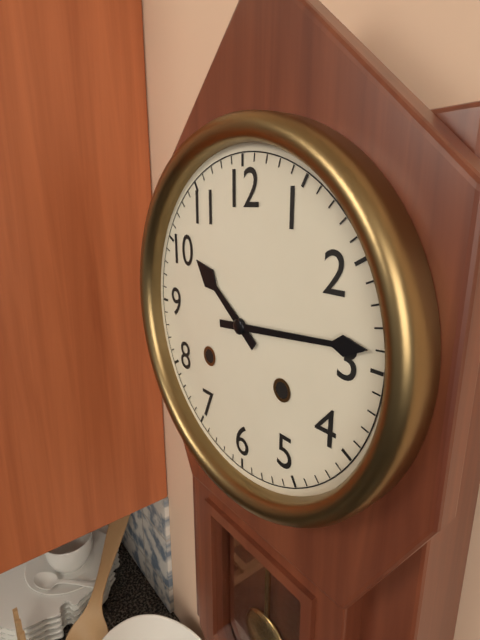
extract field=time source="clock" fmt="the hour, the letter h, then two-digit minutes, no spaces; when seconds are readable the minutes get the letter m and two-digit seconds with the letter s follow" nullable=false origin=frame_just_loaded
10h14
